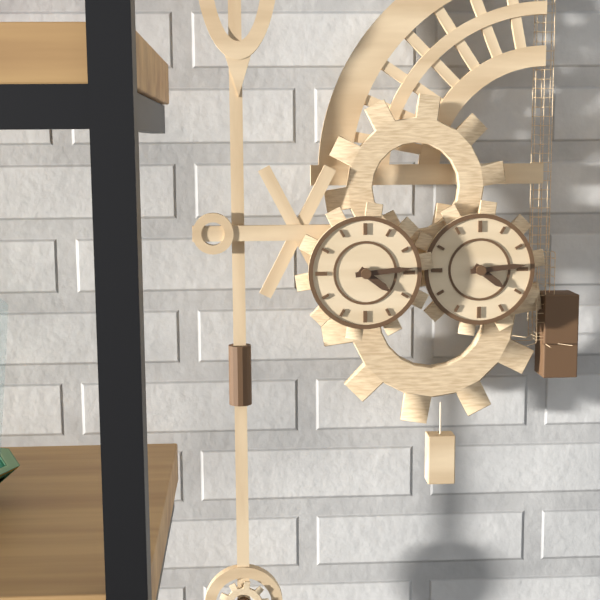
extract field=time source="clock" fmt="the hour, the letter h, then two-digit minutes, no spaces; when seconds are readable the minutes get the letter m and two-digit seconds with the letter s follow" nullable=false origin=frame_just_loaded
4h14
